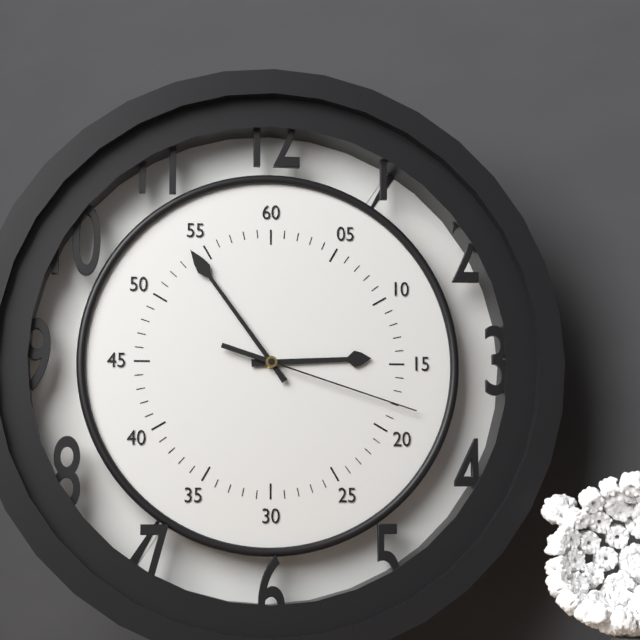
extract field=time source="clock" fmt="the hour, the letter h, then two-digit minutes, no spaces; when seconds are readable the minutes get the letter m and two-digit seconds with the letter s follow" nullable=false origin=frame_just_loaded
2h54m18s
